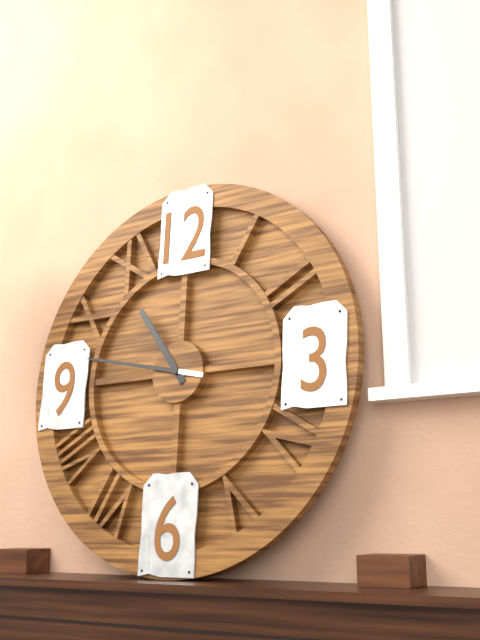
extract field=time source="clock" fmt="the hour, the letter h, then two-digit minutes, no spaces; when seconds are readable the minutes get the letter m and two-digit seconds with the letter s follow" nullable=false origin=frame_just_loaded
10h47
